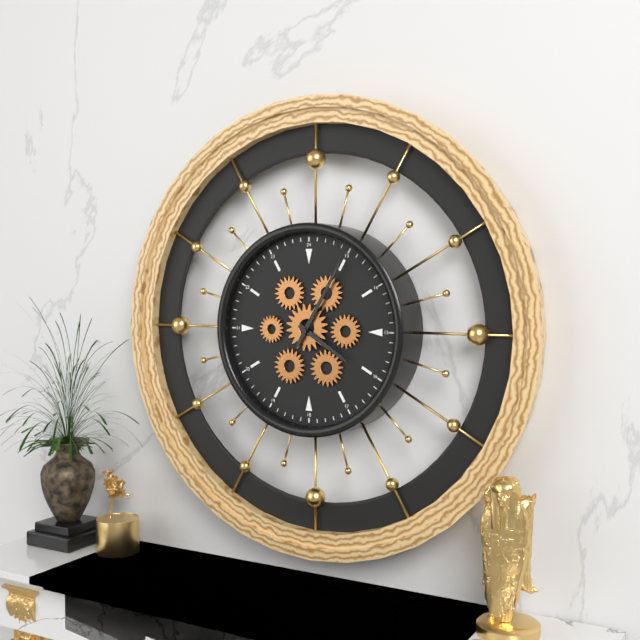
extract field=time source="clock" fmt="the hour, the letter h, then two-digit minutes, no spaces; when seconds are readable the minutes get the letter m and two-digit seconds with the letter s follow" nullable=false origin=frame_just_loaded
4h05
